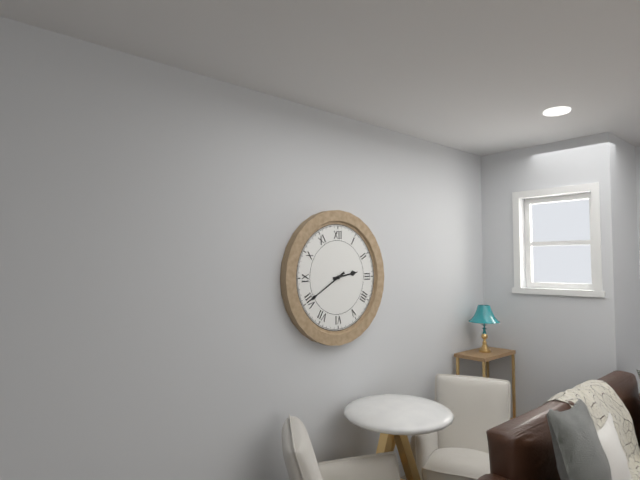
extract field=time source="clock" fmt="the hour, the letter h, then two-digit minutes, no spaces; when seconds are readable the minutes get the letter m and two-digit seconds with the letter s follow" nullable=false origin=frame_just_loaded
2h40
